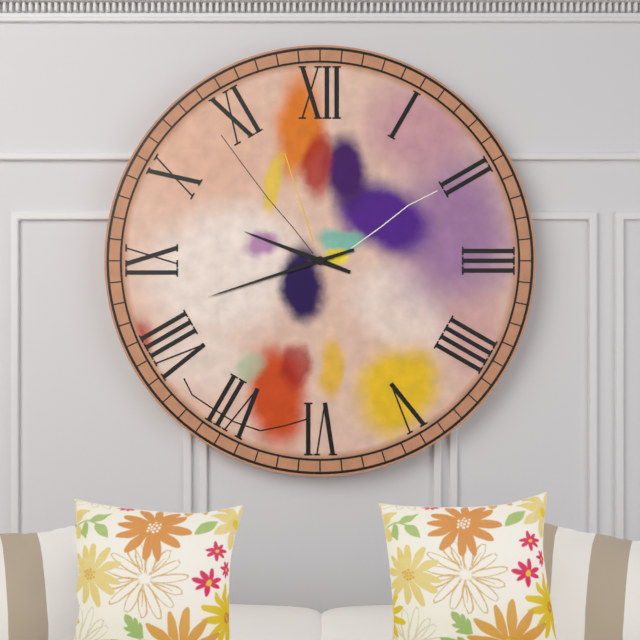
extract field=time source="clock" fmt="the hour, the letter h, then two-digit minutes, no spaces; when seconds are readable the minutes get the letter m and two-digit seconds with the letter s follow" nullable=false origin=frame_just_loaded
9h42
